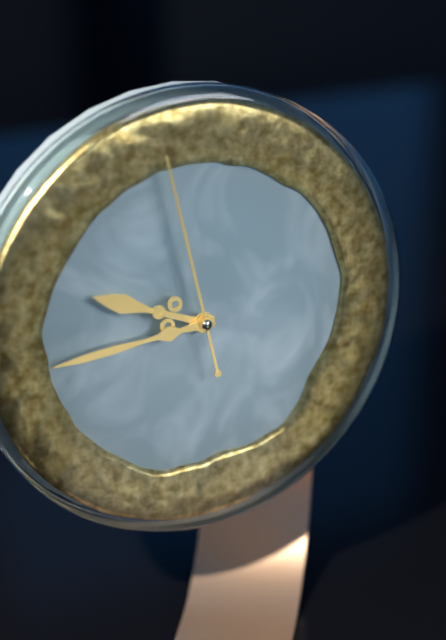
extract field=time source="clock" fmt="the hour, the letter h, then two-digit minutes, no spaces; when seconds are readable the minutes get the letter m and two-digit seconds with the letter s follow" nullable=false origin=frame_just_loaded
9h44m58s
